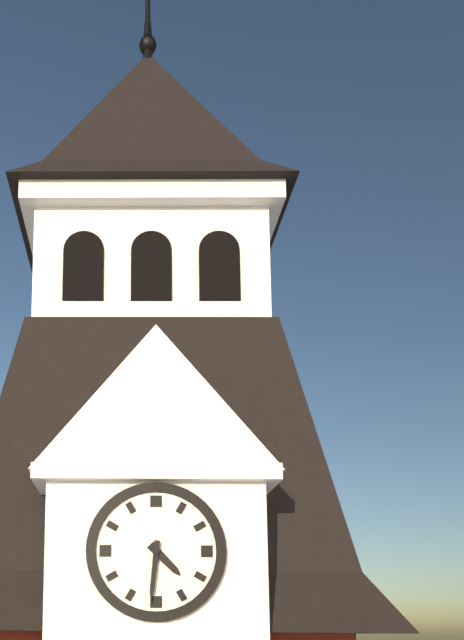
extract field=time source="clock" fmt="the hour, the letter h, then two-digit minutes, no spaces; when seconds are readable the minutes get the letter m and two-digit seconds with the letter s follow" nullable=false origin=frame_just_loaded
4h31
